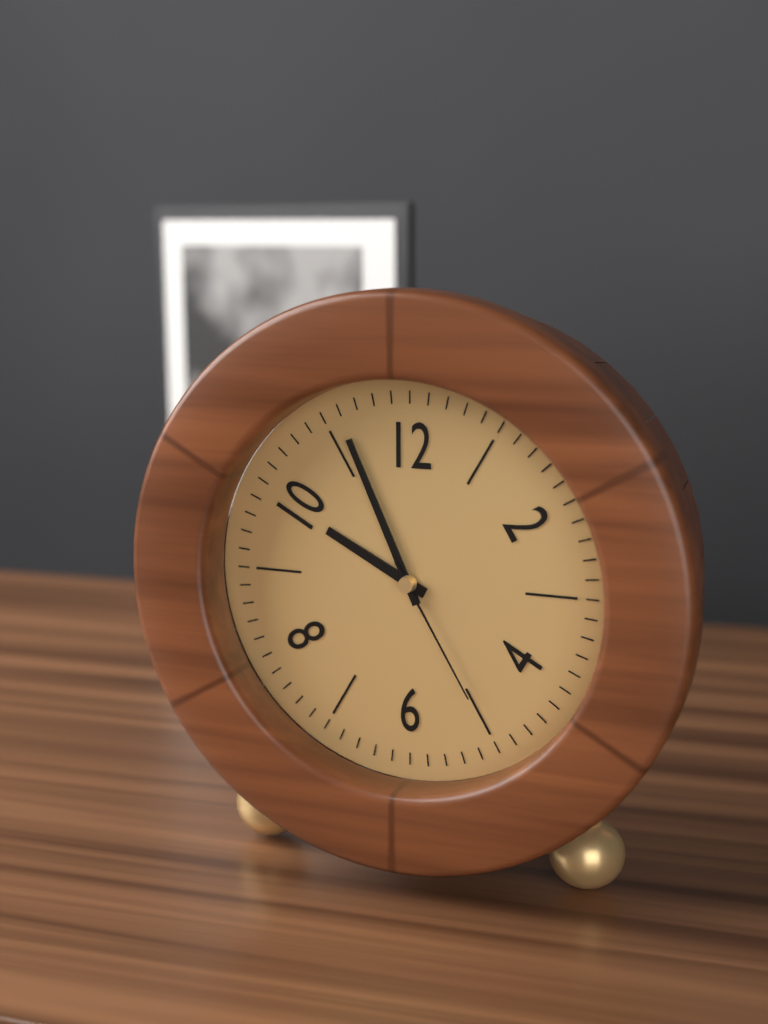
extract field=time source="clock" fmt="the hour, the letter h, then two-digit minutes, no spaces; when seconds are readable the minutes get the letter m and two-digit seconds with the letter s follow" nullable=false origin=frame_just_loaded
9h56m25s
